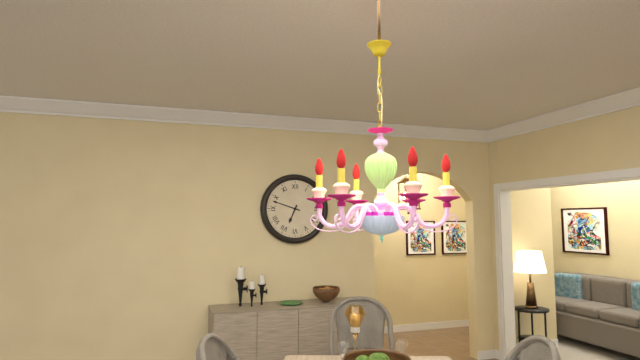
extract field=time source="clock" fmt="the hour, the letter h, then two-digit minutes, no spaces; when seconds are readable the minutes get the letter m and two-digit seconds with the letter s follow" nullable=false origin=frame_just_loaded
6h48
